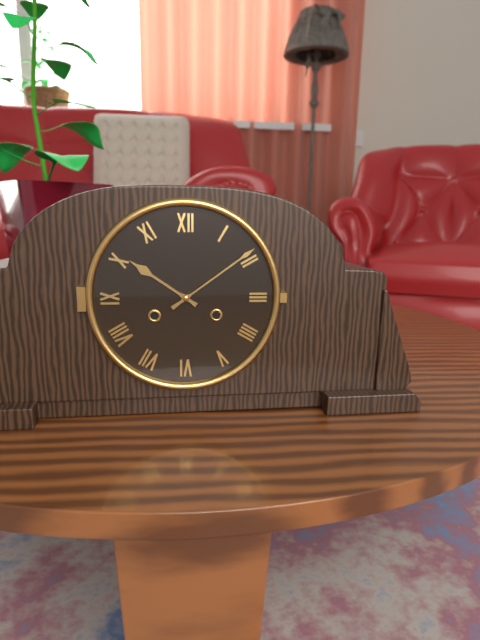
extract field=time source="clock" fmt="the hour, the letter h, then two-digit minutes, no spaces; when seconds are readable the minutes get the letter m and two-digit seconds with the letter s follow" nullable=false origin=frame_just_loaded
10h09
